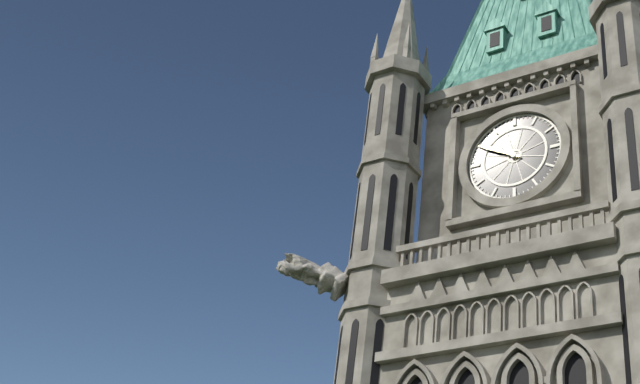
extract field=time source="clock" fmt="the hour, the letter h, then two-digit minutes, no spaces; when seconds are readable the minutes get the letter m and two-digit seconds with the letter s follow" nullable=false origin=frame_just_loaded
10h50
